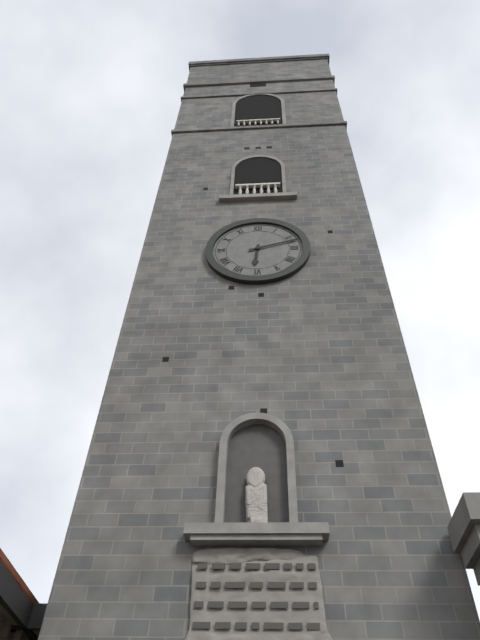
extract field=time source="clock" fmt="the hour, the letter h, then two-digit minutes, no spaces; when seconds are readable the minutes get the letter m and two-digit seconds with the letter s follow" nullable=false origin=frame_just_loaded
6h12
